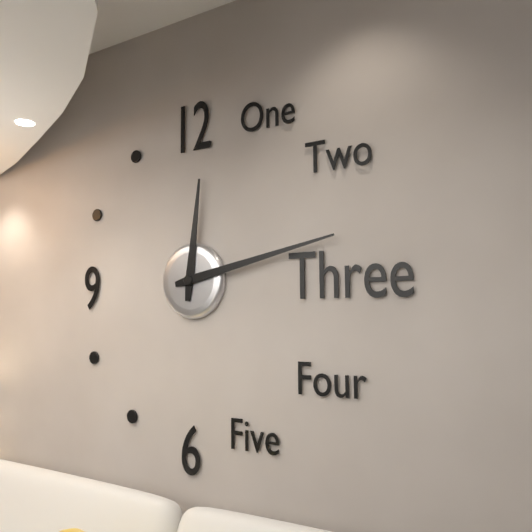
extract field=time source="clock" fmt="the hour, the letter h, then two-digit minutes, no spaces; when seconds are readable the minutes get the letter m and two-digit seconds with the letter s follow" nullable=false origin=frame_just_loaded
12h13
